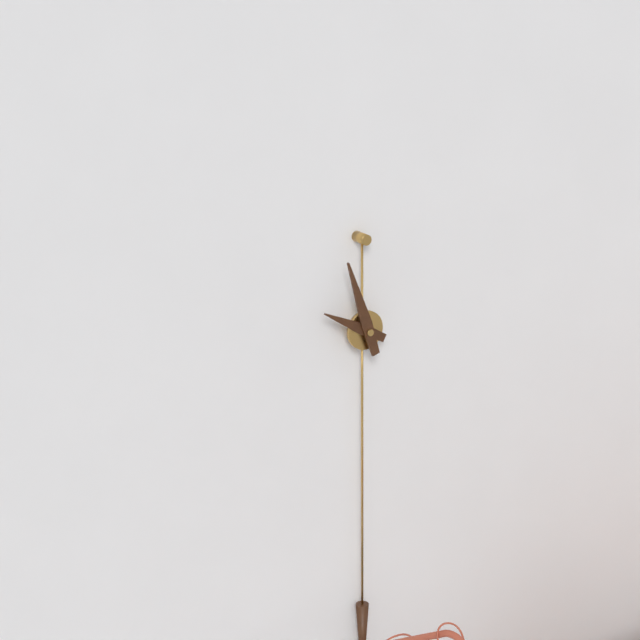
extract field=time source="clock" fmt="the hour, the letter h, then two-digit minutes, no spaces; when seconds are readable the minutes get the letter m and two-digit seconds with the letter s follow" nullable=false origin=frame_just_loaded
9h57
